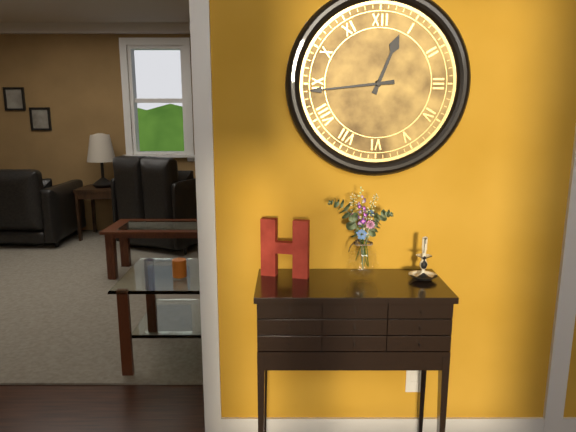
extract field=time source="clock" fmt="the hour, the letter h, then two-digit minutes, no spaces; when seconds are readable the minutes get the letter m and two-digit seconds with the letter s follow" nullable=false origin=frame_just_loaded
12h44
